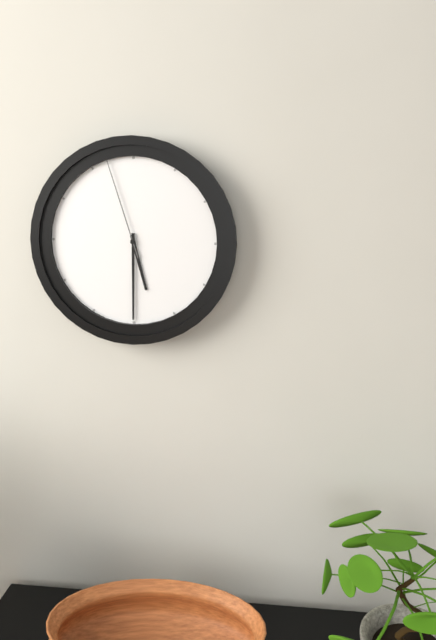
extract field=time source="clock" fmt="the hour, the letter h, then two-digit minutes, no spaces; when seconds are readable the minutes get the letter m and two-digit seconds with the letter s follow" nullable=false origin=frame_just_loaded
5h30m57s
